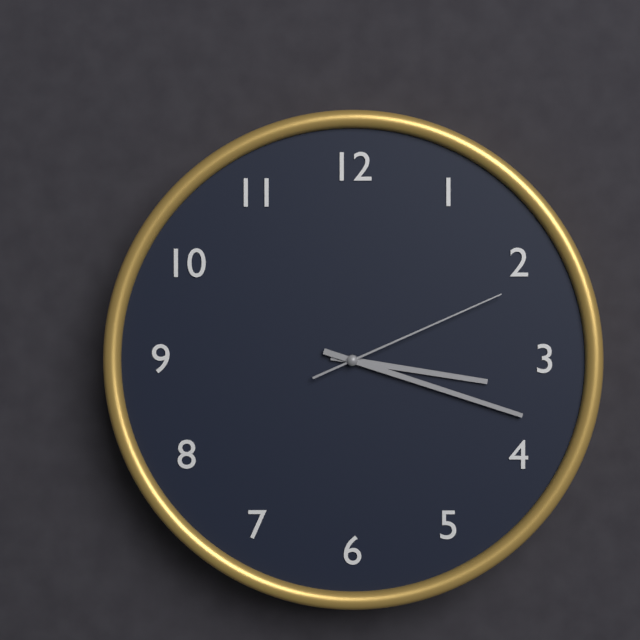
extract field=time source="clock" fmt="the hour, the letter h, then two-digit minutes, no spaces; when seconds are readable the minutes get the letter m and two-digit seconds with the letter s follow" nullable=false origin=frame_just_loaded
3h18m11s
